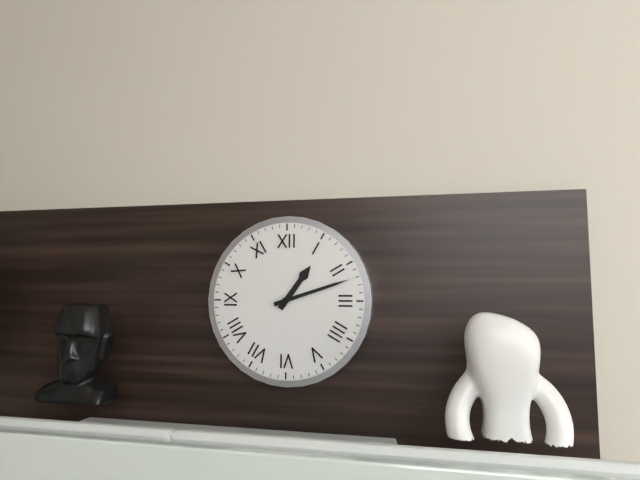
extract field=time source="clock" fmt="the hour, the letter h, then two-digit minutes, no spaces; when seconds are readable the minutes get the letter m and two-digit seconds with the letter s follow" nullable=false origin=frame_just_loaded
1h12
